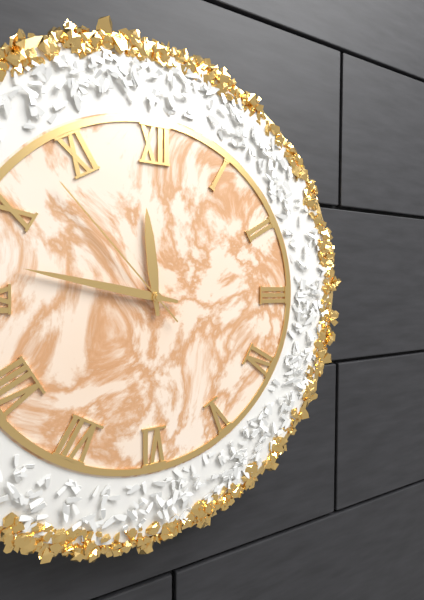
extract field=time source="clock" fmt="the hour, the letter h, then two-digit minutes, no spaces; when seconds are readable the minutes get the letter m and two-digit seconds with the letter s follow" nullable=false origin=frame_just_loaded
11h47m53s
